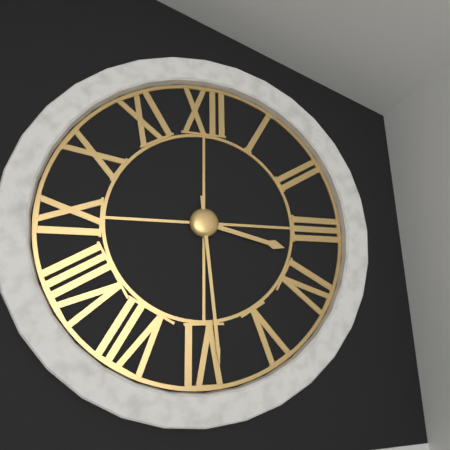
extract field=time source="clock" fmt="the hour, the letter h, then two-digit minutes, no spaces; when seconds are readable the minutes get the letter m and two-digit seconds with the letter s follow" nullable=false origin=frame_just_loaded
3h29
